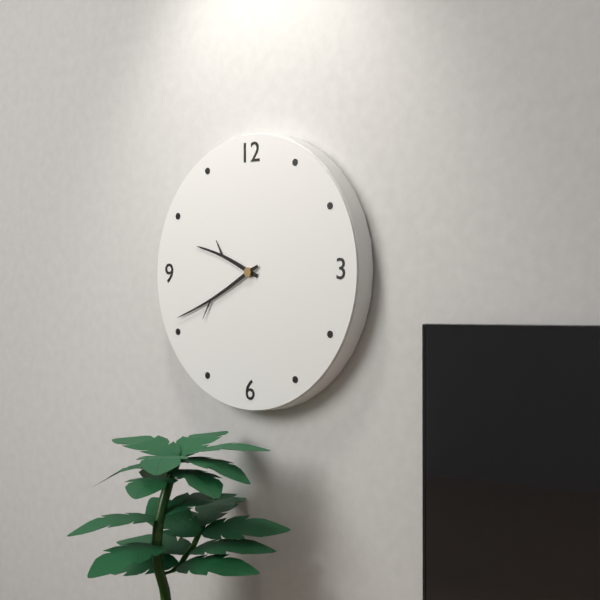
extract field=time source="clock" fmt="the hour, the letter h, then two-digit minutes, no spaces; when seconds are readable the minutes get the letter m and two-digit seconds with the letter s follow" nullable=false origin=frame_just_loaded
9h41
